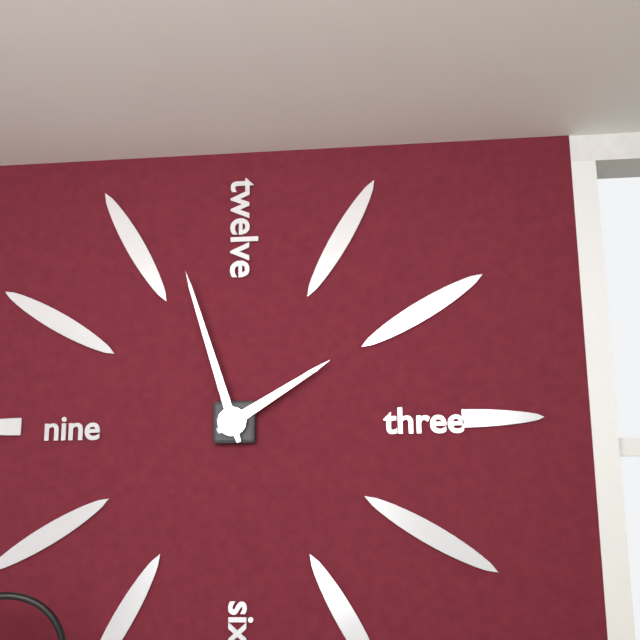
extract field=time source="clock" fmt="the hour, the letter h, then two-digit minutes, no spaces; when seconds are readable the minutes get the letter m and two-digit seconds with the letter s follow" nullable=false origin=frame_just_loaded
1h57
